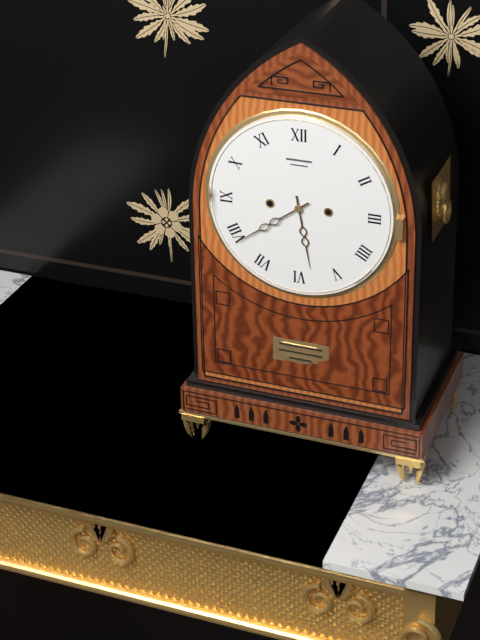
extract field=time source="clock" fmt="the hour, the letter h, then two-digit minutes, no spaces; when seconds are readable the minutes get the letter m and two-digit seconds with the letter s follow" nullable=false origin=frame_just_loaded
5h39
